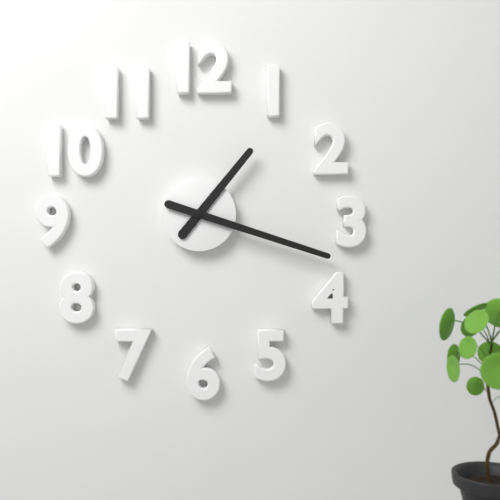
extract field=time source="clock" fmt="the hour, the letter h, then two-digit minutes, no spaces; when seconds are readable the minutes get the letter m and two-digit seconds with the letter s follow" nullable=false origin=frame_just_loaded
1h18
